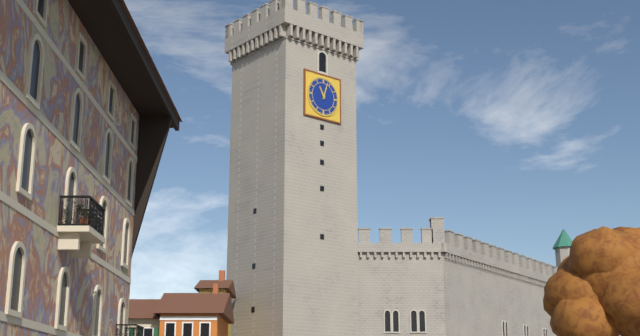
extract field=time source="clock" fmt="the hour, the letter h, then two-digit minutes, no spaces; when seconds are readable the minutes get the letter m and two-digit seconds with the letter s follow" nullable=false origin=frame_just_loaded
11h03
